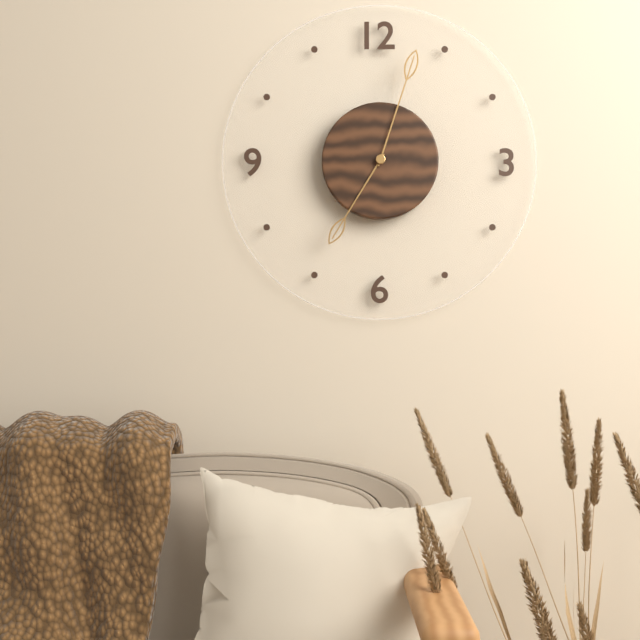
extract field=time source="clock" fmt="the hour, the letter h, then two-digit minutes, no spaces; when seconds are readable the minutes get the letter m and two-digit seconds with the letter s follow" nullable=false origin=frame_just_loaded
7h03
